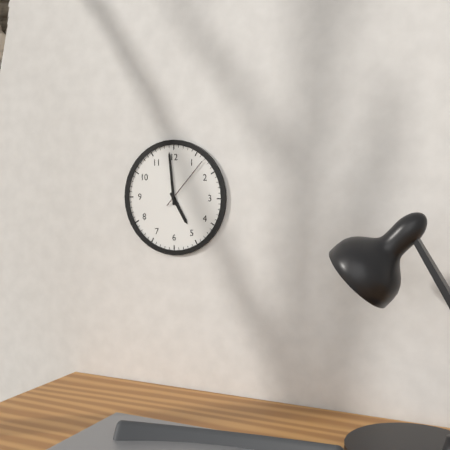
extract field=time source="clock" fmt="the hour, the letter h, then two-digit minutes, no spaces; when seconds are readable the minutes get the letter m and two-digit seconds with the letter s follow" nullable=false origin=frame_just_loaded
4h59m07s
